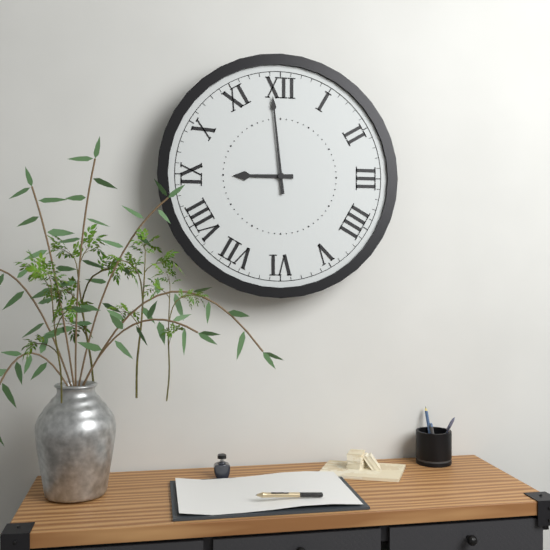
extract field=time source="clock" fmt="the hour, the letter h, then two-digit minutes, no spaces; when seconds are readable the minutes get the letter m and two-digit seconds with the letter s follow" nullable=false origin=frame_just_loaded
8h59
